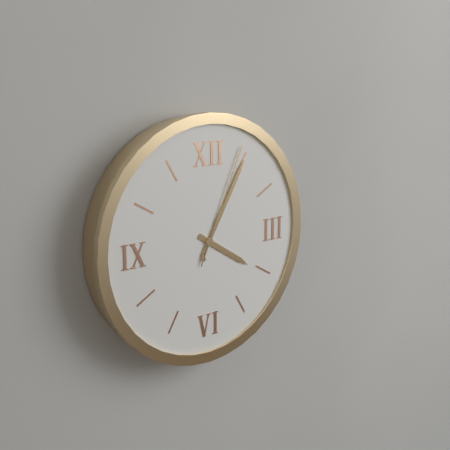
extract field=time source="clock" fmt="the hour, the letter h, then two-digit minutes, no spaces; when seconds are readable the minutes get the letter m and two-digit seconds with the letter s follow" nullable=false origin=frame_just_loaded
4h05m04s
